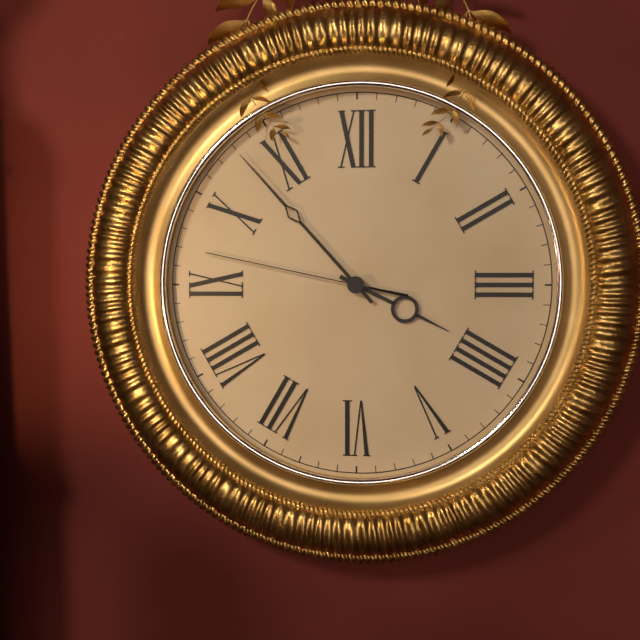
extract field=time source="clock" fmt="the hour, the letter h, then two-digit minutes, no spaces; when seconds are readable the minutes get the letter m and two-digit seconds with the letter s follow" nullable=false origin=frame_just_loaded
3h53m47s
